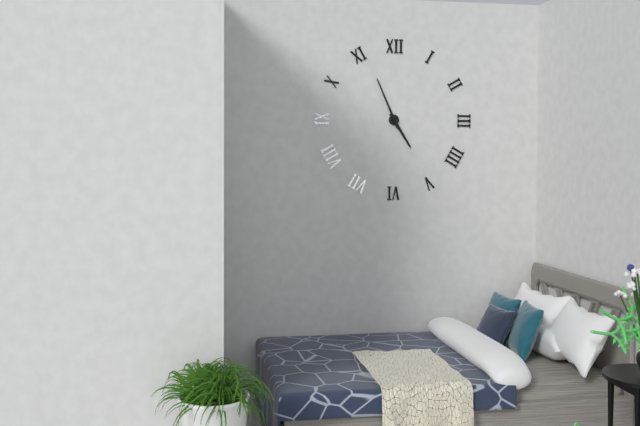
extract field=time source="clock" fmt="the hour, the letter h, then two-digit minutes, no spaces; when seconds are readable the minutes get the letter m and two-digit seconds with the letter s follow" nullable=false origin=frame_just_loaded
4h56
